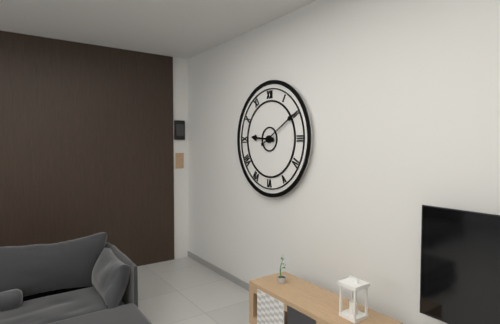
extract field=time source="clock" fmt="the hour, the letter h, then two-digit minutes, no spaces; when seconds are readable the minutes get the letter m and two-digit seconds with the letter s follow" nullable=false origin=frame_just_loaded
9h10
